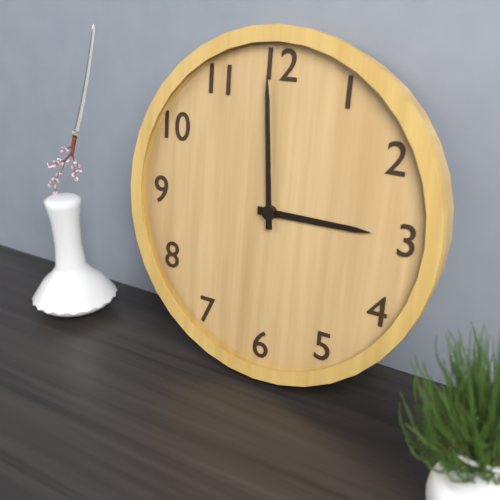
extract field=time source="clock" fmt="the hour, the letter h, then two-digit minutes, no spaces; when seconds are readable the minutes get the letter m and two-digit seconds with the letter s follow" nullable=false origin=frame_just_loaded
2h59
